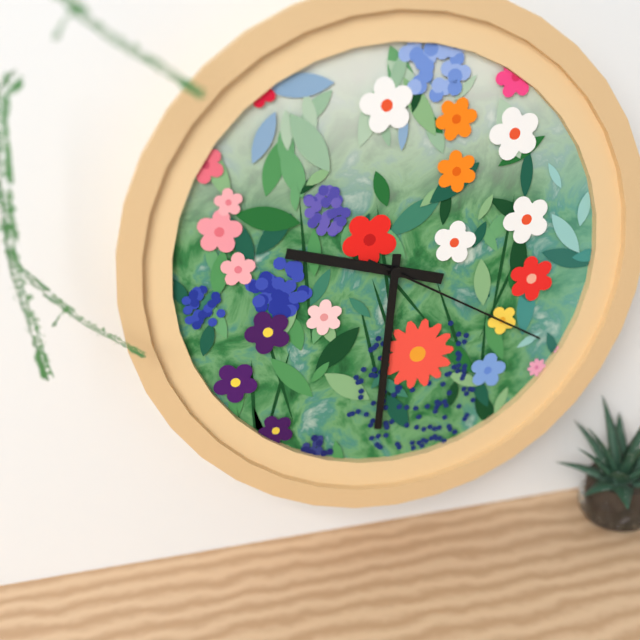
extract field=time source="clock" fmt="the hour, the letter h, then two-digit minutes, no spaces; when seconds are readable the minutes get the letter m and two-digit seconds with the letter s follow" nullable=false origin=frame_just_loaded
9h31m20s
